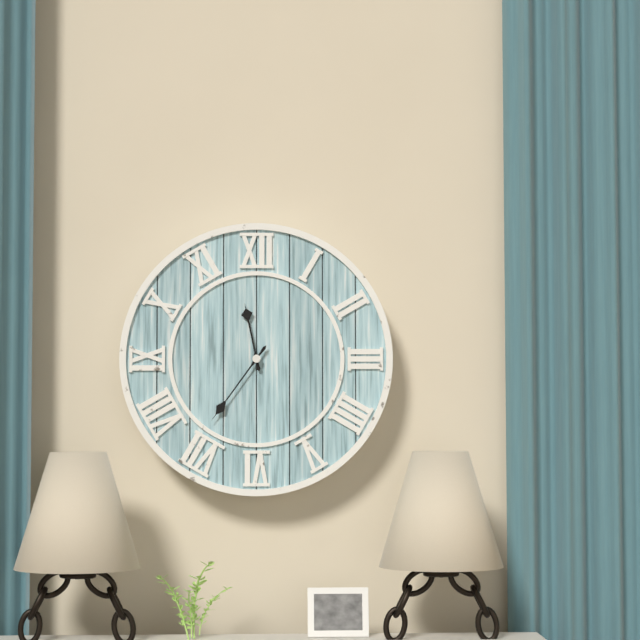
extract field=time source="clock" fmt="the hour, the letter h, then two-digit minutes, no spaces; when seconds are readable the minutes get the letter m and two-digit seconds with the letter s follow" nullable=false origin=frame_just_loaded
11h36
